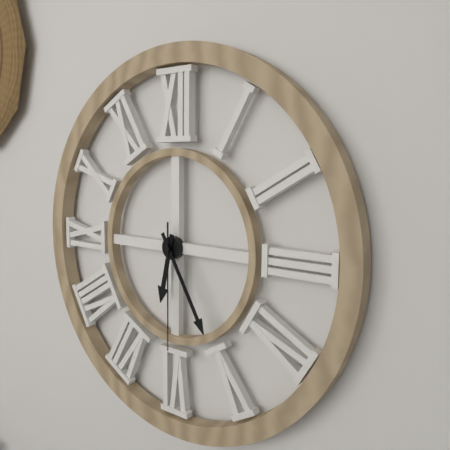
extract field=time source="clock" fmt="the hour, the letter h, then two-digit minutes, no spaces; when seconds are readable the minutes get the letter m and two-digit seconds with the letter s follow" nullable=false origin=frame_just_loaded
6h25m30s
